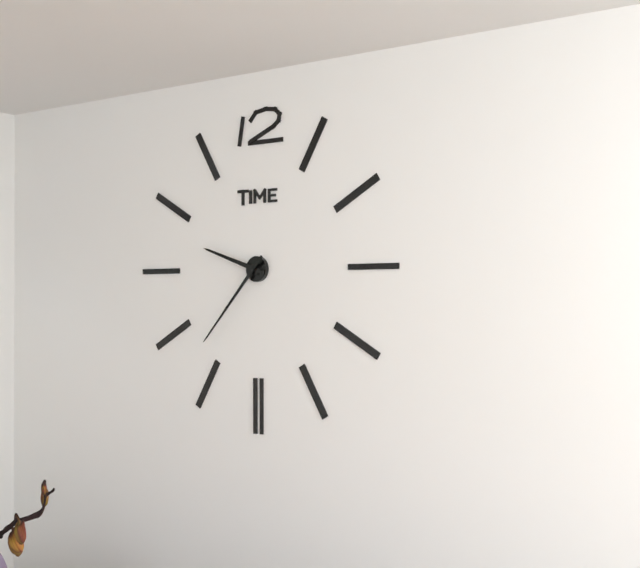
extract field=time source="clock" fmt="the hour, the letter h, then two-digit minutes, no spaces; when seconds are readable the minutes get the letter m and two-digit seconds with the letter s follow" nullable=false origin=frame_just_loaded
9h37
